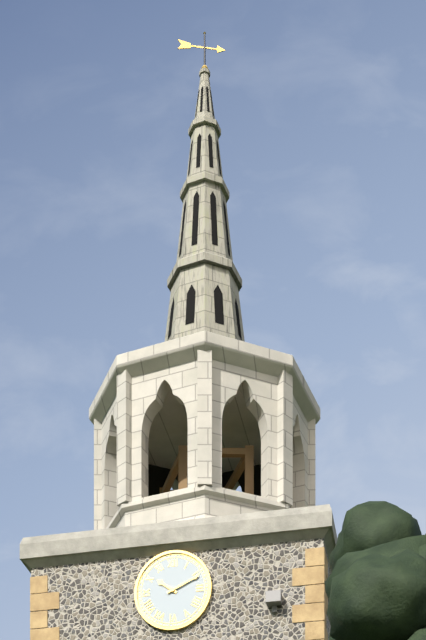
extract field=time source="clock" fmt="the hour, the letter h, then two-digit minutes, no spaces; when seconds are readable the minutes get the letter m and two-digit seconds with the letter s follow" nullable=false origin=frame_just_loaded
10h11
